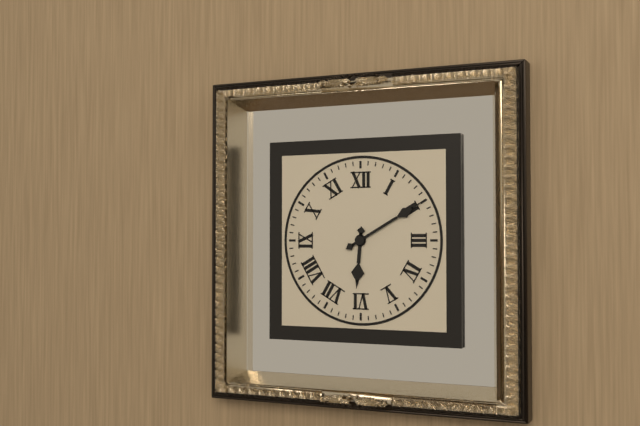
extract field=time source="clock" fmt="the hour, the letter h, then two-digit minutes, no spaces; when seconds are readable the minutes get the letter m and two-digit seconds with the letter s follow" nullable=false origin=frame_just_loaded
6h10
